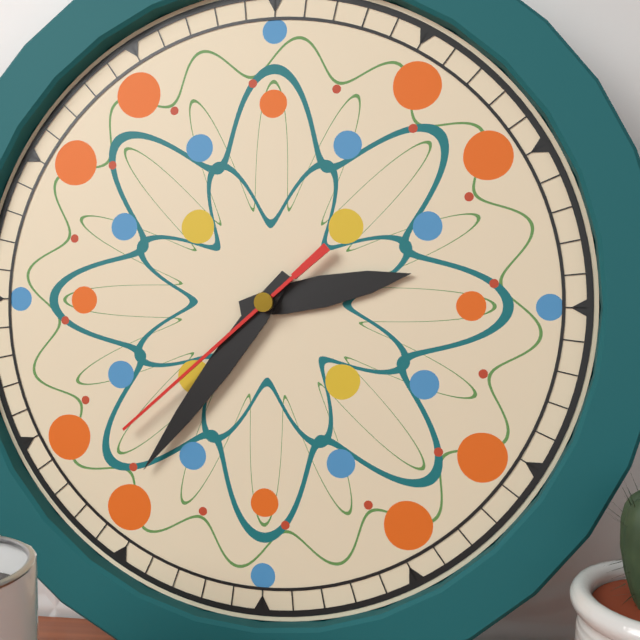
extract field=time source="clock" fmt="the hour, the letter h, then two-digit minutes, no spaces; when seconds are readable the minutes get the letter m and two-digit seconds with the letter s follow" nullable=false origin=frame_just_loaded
2h36m38s
